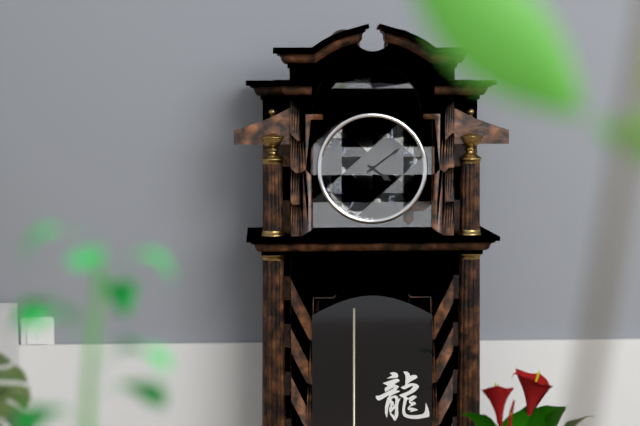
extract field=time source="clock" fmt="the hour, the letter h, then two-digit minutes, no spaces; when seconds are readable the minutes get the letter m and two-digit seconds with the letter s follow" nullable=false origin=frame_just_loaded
4h09
